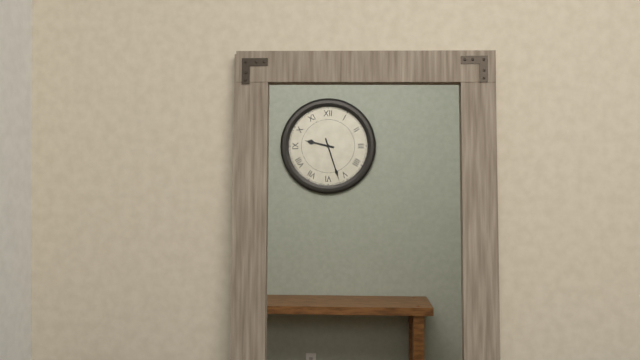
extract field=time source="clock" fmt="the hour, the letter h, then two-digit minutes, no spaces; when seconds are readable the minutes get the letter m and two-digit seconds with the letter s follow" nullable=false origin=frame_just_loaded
9h27
